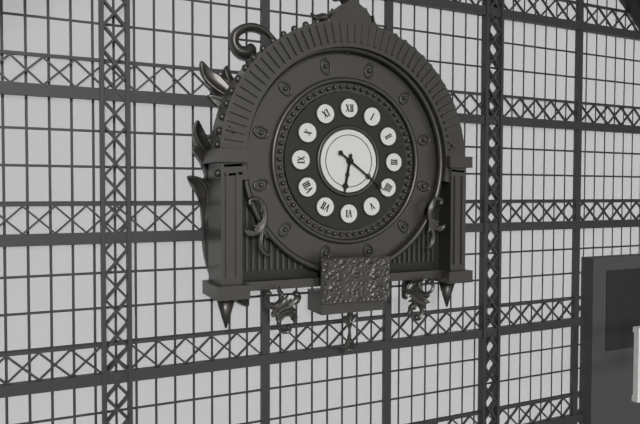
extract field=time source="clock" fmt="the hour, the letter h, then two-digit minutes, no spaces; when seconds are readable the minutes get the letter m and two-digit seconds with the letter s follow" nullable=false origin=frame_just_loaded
6h21
